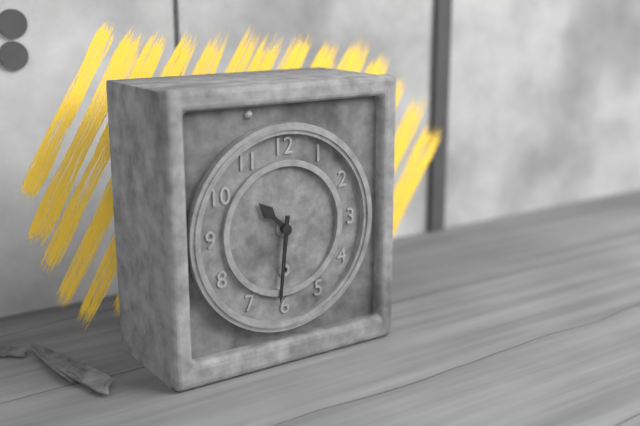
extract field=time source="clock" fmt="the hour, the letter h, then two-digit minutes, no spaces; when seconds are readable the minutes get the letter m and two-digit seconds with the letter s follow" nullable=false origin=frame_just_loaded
10h31
